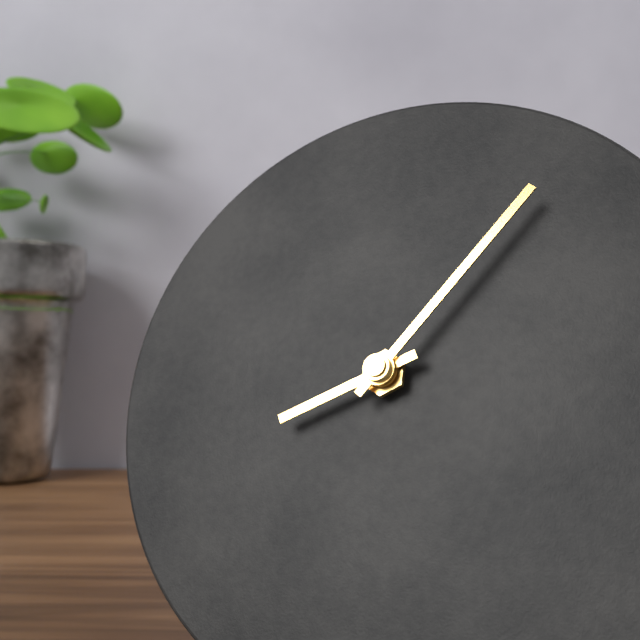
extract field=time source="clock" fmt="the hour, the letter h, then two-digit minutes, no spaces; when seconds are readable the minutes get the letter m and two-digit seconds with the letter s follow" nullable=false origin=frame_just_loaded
8h06
